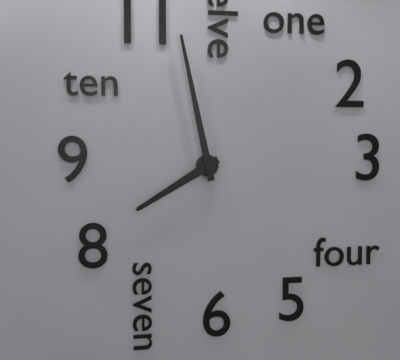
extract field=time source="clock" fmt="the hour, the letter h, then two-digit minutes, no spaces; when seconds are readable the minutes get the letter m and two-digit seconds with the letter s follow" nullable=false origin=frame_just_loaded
7h58
